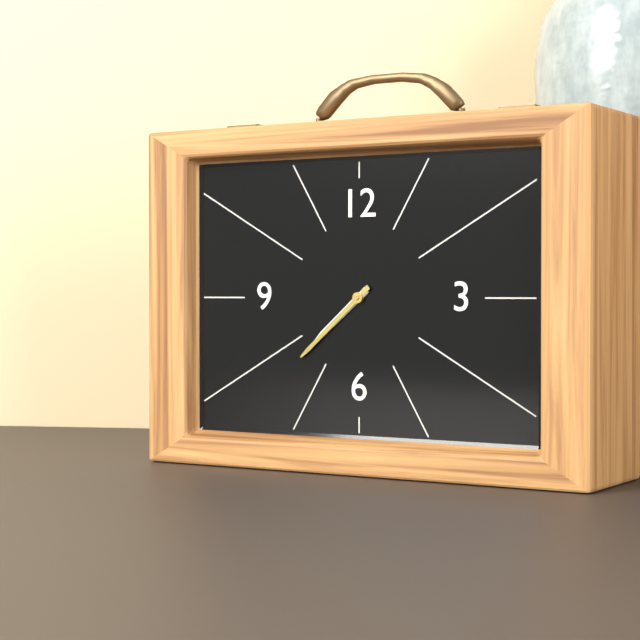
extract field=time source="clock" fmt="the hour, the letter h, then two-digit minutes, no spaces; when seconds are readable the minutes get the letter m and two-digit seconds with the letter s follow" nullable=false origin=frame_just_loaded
7h38
